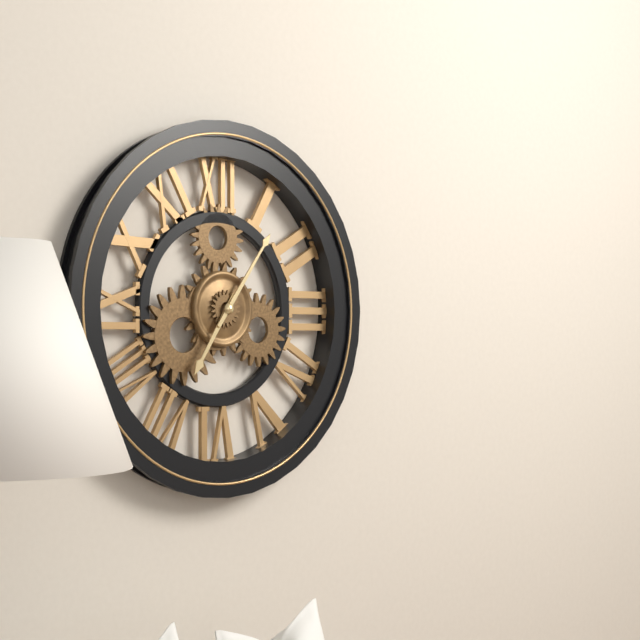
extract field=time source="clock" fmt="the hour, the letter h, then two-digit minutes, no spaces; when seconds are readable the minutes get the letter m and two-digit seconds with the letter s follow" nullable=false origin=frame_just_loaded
7h06
